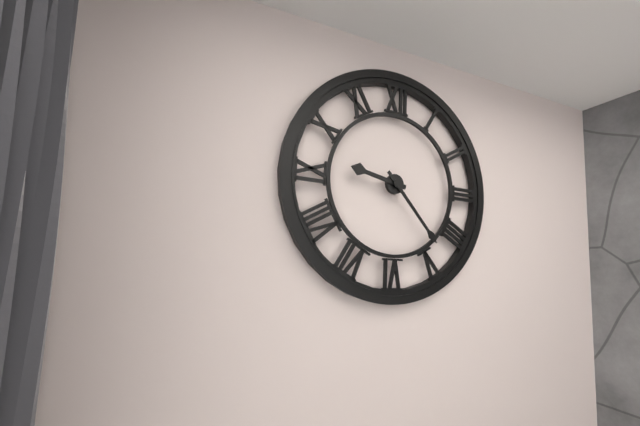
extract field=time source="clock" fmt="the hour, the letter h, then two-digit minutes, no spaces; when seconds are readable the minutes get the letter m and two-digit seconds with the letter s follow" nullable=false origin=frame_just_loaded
9h23
